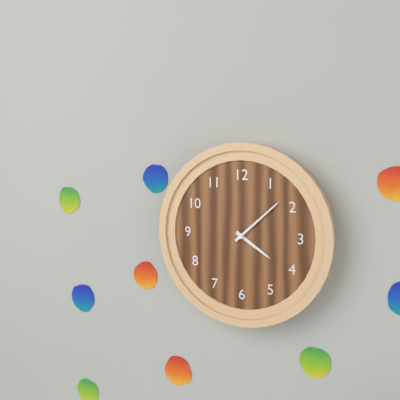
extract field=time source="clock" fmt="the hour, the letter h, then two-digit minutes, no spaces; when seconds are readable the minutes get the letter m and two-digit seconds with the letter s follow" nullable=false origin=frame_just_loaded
4h08
